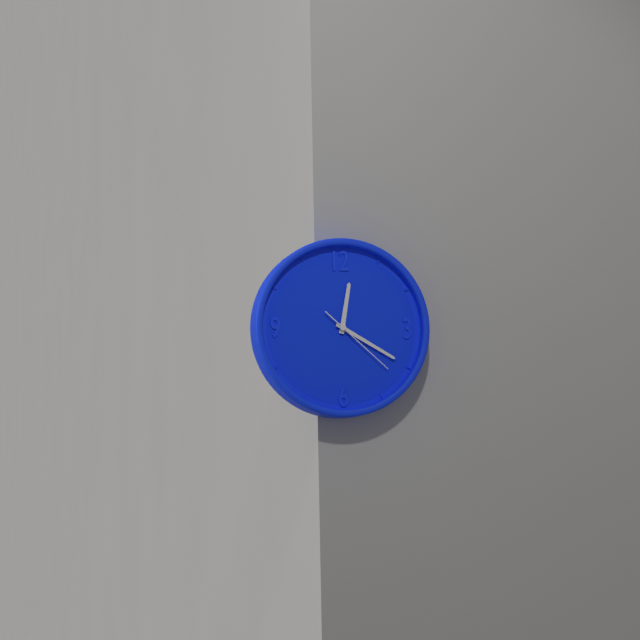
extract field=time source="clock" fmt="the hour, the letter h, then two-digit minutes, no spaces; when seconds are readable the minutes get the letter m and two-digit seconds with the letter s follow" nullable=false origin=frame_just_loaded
12h20m22s
